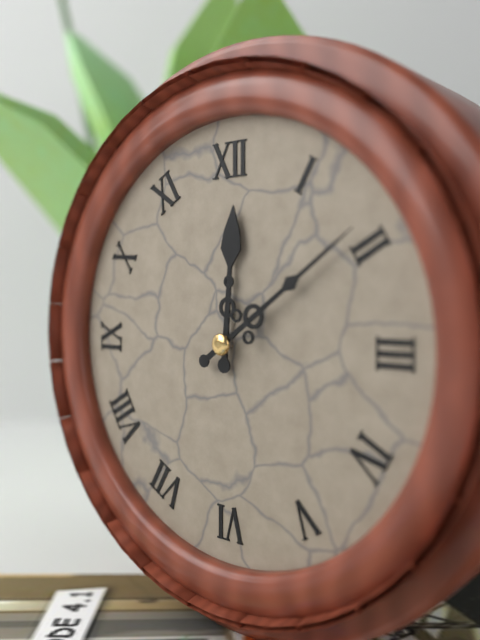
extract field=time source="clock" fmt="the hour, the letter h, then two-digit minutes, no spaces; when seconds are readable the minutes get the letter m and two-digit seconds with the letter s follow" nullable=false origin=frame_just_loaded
12h09
